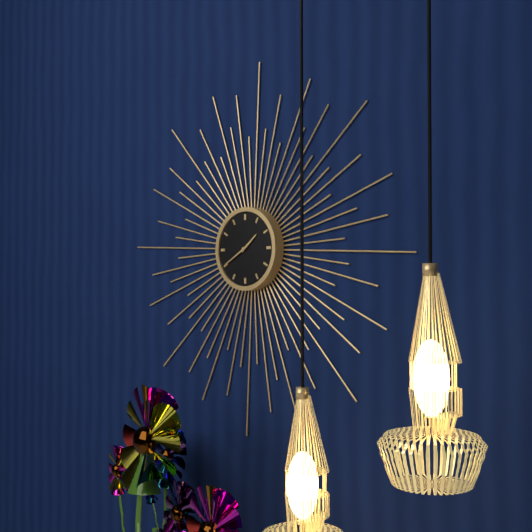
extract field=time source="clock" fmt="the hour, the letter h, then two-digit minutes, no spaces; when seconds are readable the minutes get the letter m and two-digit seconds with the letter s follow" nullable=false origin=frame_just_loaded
1h40
